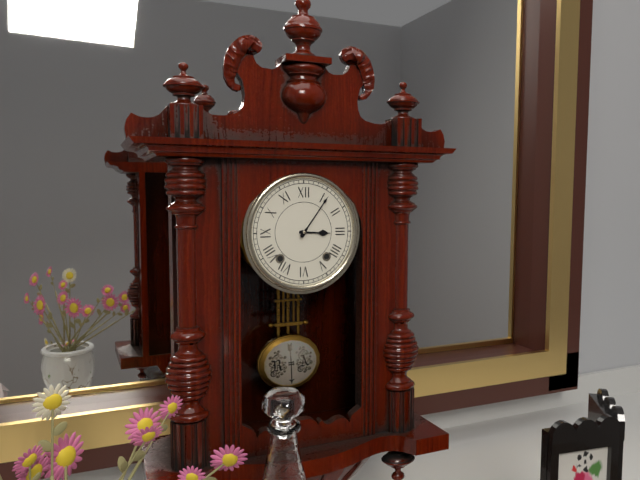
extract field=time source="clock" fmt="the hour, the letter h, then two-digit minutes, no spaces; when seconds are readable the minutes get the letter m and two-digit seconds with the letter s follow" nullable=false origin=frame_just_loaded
3h06
